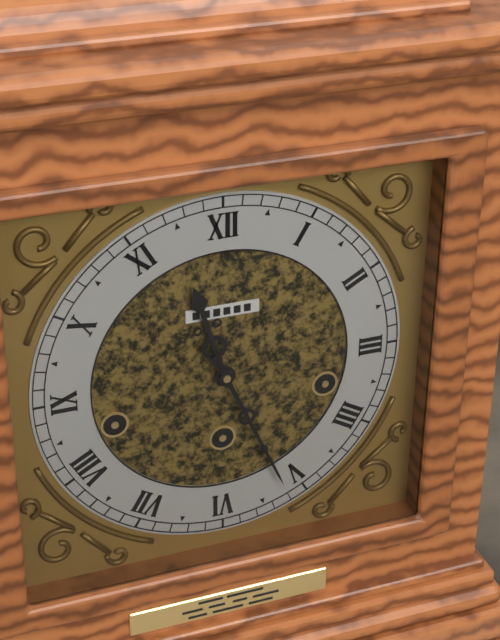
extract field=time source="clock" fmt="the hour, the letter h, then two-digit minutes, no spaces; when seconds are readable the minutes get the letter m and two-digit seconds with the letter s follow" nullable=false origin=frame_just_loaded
11h26
